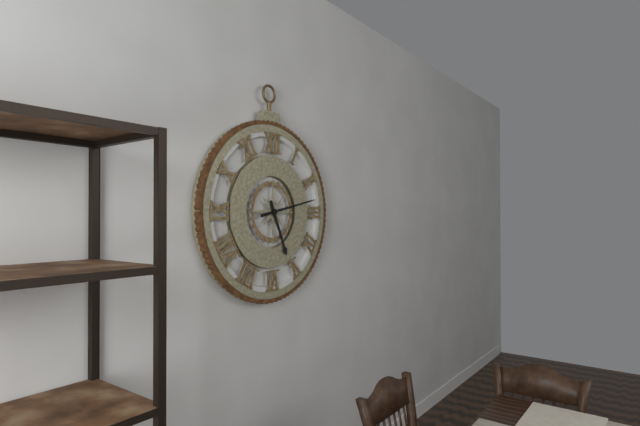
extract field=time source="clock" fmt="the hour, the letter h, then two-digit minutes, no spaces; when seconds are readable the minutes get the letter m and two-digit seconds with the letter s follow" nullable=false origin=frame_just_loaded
5h13
